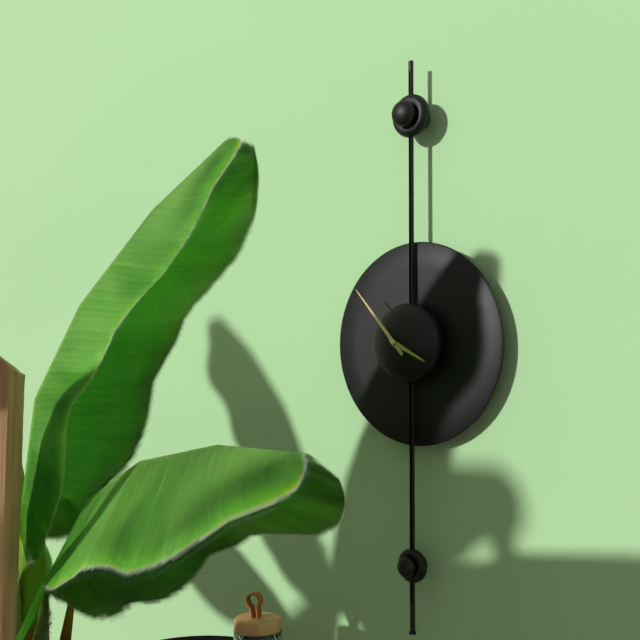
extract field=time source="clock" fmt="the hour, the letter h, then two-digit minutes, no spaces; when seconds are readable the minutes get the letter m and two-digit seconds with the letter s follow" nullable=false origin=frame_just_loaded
3h53
